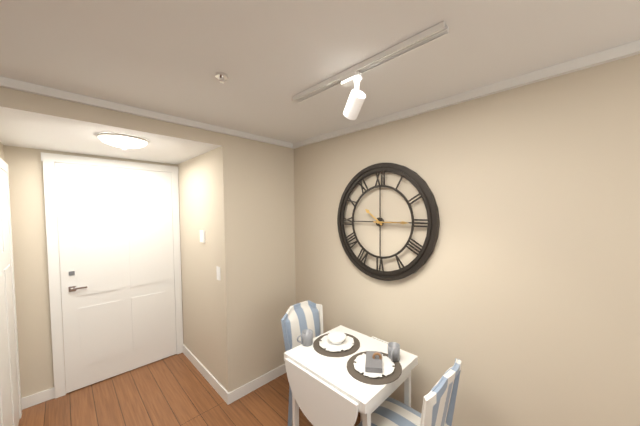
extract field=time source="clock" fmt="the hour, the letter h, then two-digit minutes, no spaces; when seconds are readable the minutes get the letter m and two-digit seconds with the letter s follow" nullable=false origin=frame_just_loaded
10h15
